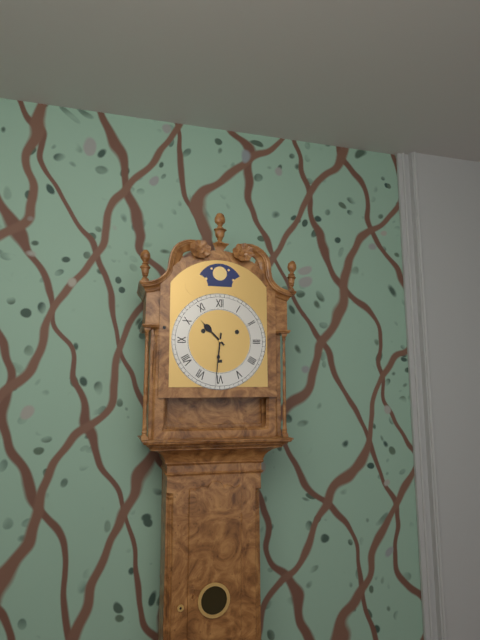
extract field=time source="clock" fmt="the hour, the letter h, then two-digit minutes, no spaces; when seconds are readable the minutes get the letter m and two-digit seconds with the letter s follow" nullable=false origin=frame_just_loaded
10h31
